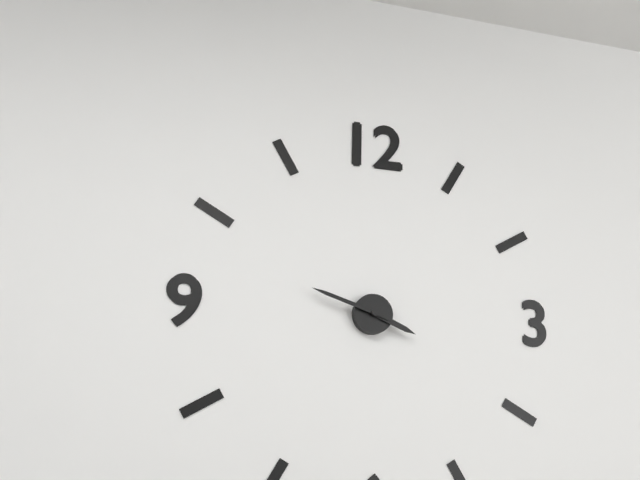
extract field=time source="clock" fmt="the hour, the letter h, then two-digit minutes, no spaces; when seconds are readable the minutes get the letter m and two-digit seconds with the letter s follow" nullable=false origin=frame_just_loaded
3h48
